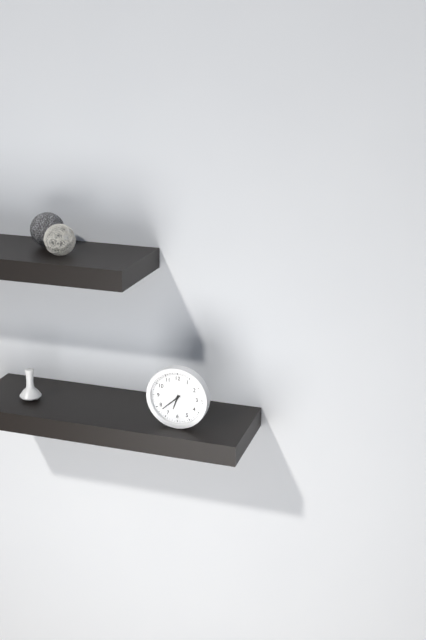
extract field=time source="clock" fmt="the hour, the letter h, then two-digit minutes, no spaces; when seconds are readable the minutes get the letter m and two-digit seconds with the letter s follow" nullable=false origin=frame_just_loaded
6h38
